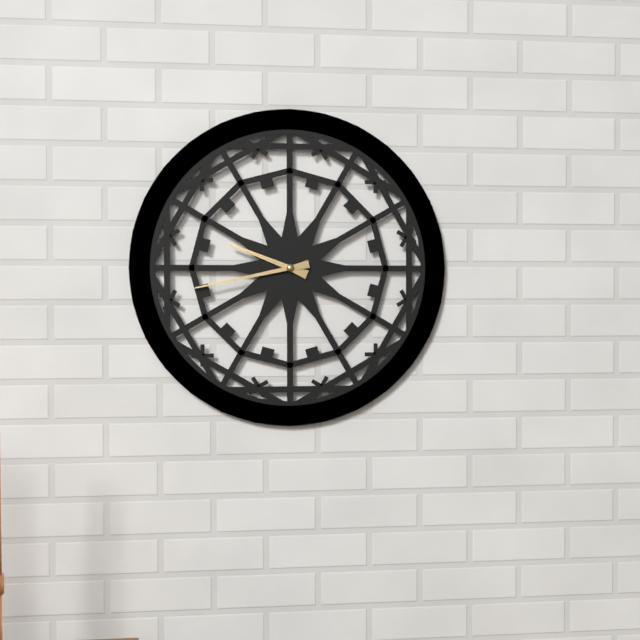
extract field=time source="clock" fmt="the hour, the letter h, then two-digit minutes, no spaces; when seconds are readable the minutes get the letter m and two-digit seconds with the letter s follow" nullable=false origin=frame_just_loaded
9h43
